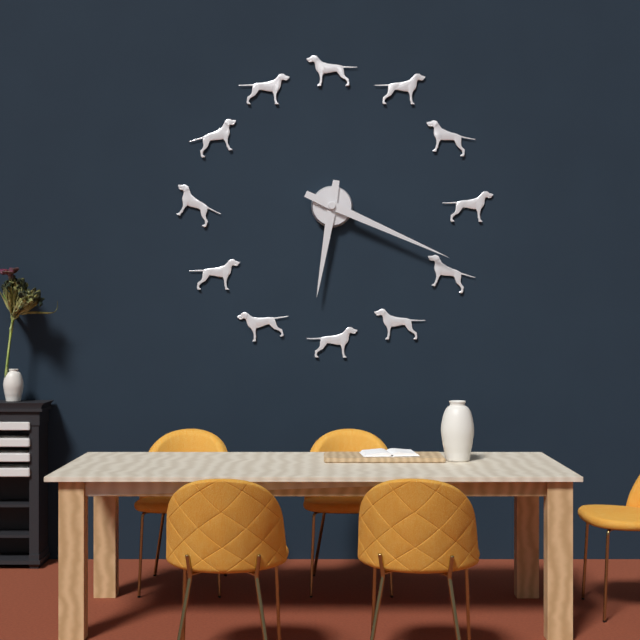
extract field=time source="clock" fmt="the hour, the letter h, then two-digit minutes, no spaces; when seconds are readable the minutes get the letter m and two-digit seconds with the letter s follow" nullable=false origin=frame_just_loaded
6h19
